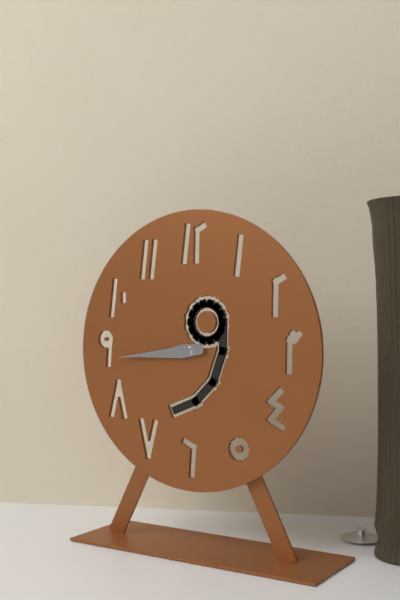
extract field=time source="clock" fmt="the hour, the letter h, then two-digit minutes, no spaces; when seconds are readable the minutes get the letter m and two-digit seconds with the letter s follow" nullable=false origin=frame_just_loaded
8h44
